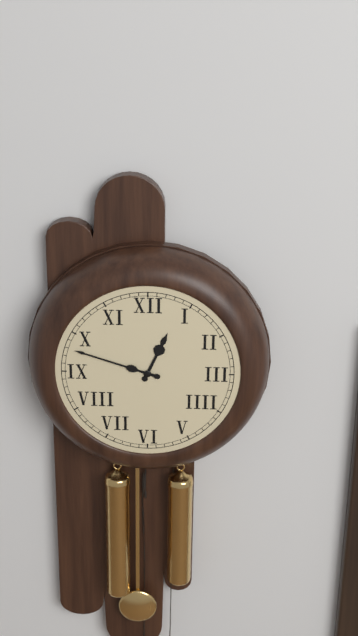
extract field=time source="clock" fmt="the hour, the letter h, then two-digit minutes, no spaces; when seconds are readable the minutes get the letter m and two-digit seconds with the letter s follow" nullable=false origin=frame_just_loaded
12h48
